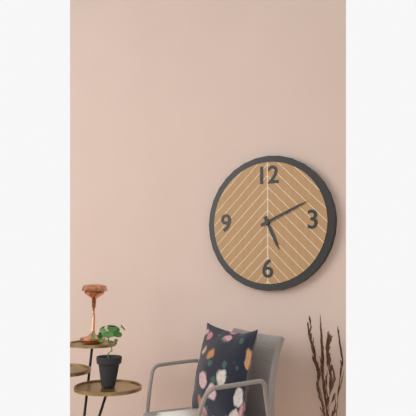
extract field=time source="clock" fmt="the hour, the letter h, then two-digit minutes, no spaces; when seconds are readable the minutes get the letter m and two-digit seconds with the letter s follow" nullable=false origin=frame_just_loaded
5h11
